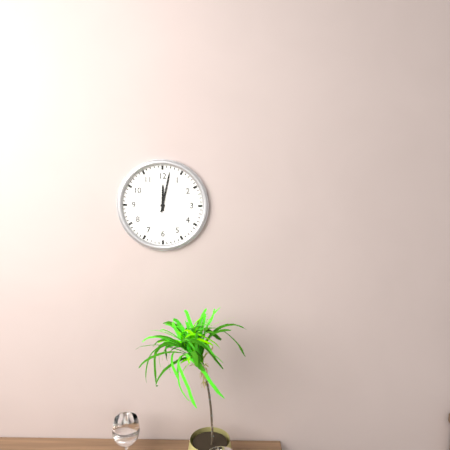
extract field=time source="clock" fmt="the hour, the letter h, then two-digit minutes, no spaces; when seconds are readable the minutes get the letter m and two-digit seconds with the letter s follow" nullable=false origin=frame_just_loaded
12h02
